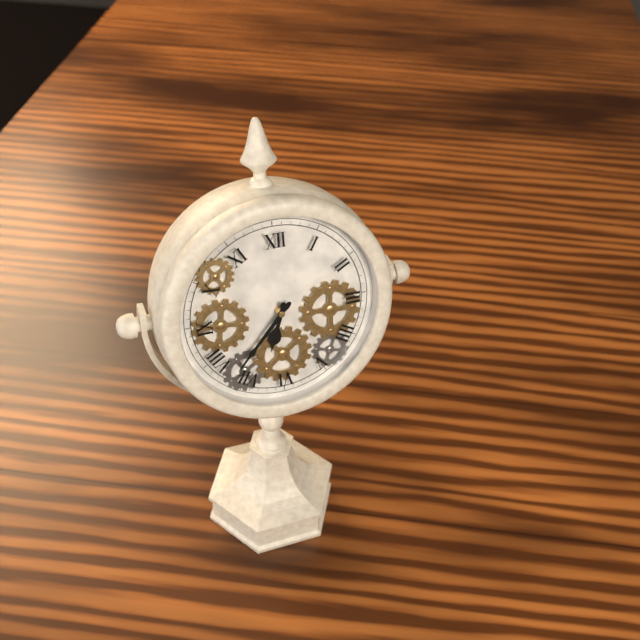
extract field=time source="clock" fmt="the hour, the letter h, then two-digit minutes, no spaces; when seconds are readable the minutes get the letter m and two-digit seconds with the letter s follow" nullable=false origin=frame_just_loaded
6h37
